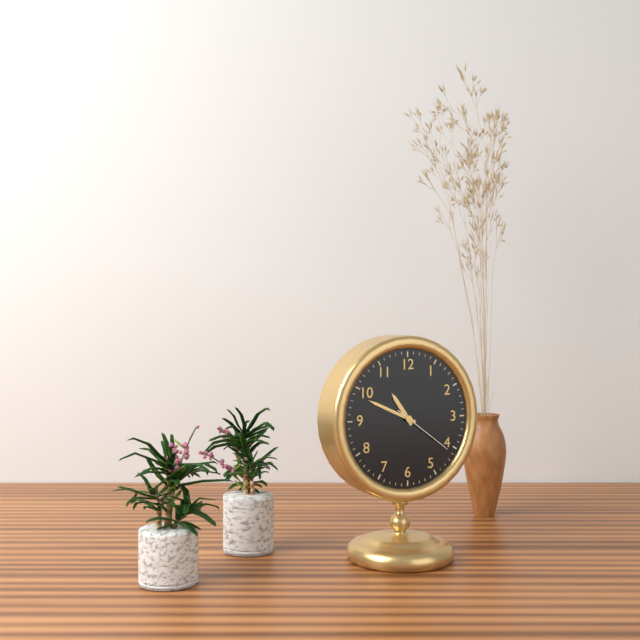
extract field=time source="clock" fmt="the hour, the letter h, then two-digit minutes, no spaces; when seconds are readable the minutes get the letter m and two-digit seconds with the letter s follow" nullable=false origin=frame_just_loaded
10h49m21s
